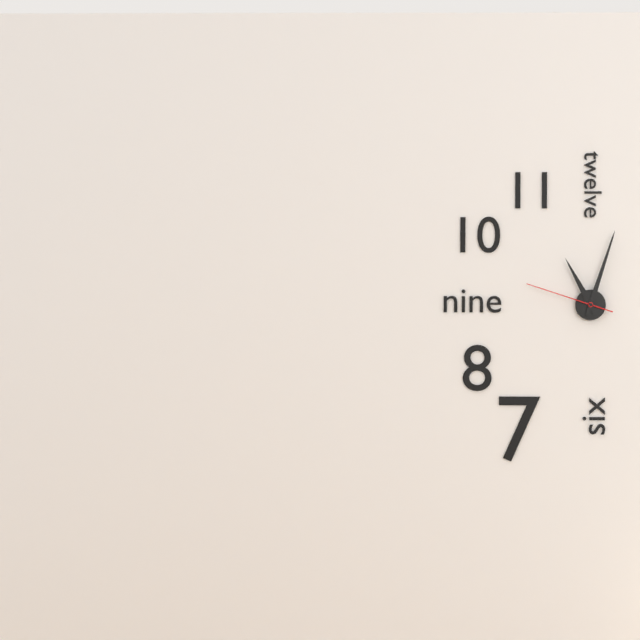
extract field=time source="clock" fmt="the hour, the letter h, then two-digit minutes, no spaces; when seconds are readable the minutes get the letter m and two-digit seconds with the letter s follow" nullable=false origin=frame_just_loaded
11h03m48s
